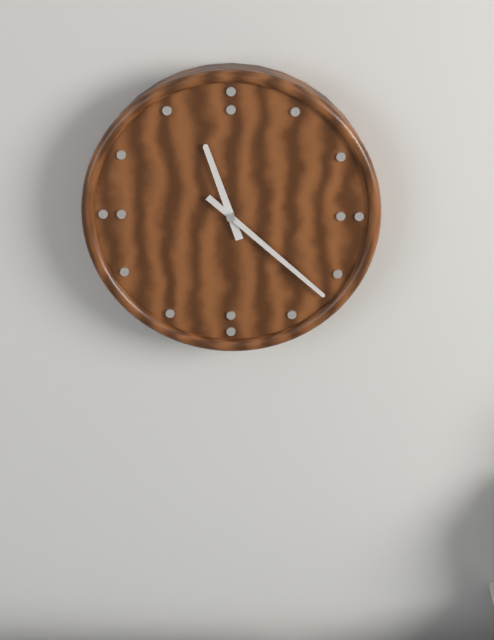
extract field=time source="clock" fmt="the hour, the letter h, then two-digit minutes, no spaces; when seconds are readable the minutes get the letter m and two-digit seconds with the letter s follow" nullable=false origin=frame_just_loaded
11h22
